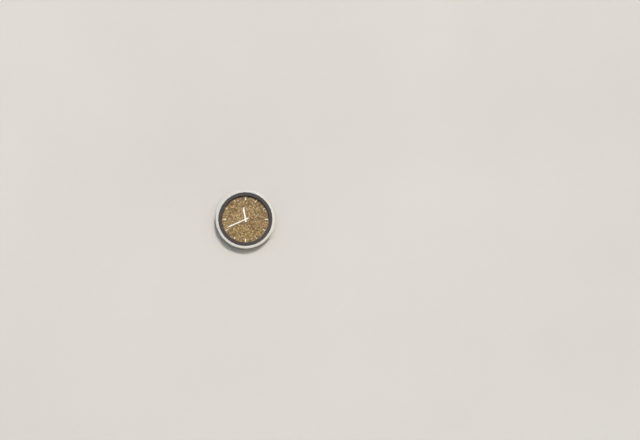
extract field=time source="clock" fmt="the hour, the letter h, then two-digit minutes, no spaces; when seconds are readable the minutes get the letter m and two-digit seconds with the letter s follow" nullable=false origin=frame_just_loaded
11h41
